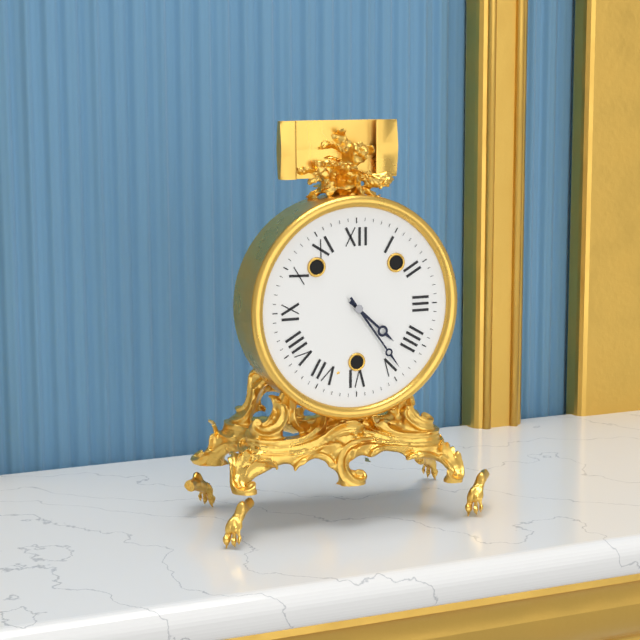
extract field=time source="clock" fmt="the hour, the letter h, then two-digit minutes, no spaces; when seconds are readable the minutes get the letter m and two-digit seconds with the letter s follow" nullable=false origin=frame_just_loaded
4h24
